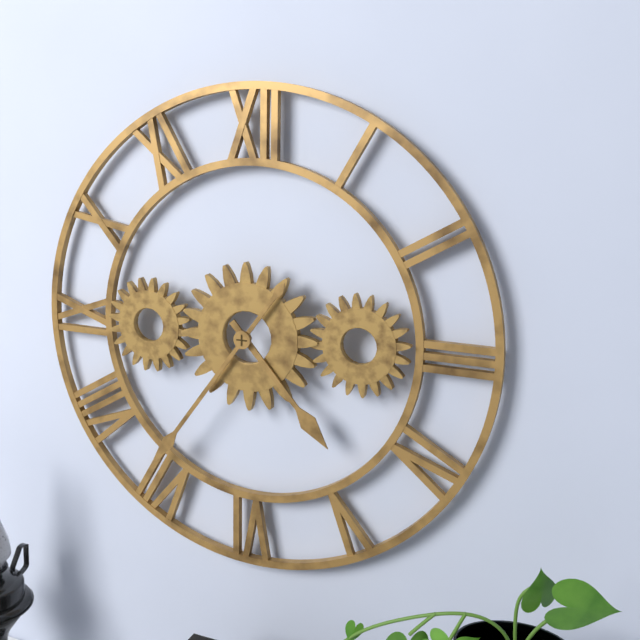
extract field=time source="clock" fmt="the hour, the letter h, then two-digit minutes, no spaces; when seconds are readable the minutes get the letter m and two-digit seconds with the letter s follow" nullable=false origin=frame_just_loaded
4h36
